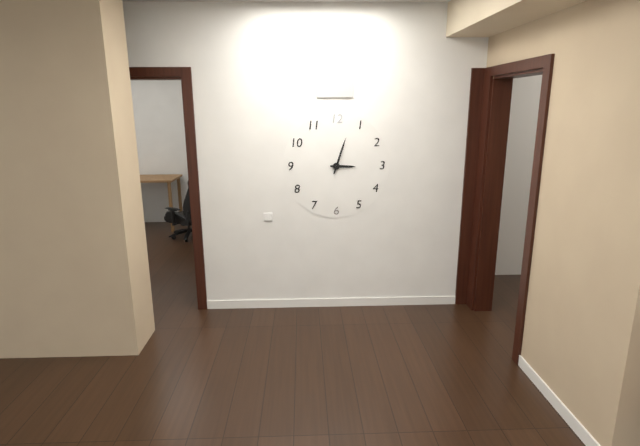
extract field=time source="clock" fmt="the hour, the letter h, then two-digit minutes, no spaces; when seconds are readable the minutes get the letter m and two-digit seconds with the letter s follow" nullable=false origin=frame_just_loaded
3h03
